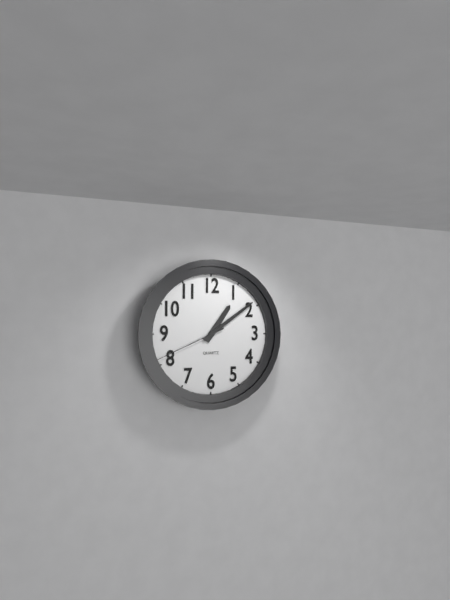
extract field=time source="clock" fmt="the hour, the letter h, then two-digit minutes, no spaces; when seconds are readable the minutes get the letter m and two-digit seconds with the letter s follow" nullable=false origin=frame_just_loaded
1h09m41s
